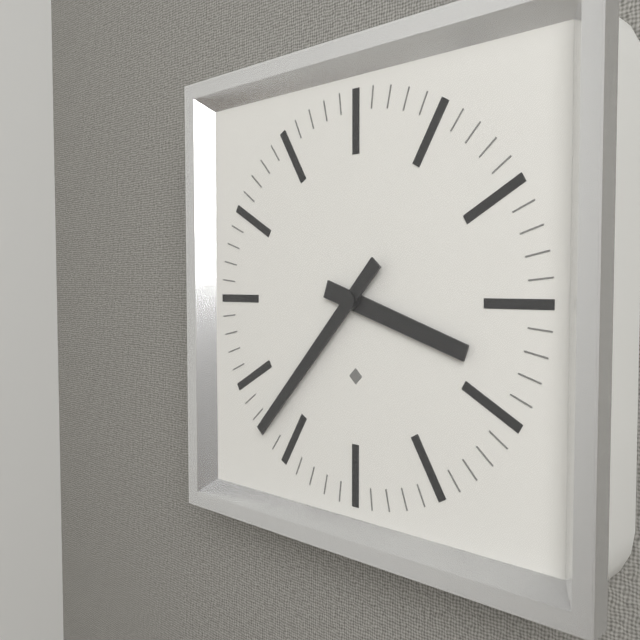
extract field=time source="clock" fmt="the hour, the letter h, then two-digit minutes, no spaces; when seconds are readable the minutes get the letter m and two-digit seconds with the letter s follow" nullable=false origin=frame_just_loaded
3h37
